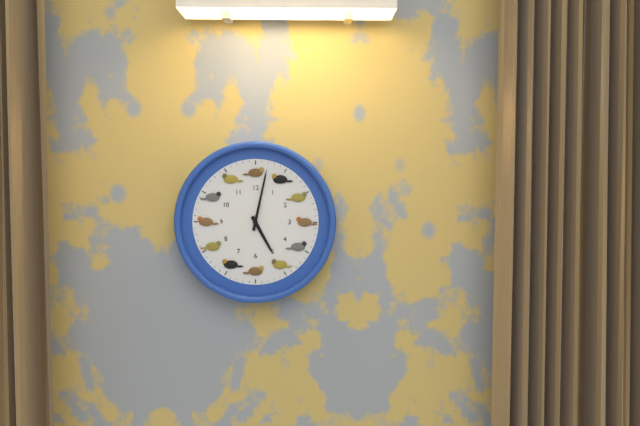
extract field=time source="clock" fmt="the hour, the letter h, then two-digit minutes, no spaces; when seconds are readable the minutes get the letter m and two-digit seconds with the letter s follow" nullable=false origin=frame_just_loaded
5h02
